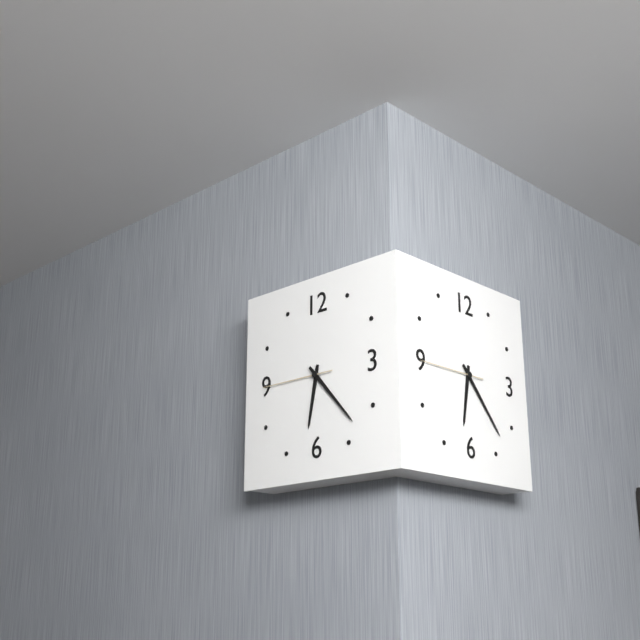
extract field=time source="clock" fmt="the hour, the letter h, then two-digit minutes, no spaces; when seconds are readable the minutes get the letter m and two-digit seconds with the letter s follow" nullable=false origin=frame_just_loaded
6h23m45s
